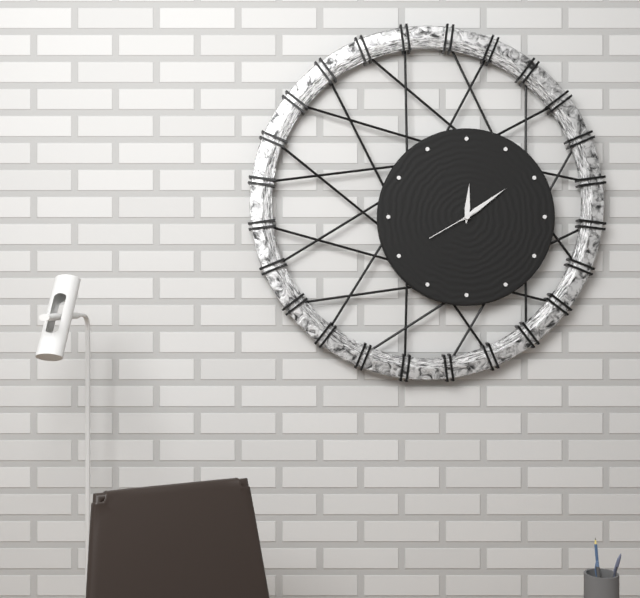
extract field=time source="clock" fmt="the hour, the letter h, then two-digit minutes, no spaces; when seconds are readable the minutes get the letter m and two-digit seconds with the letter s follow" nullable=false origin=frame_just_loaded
12h09m40s
